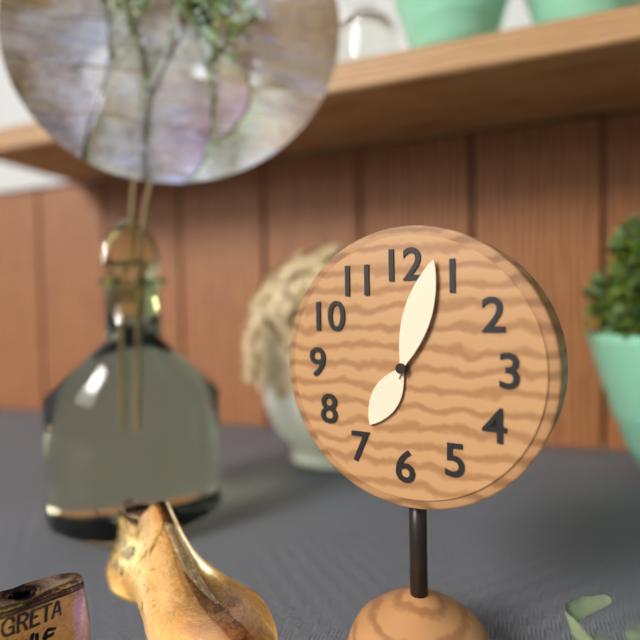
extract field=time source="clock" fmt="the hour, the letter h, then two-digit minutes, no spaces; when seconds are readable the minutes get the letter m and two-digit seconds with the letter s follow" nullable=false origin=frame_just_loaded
7h03
